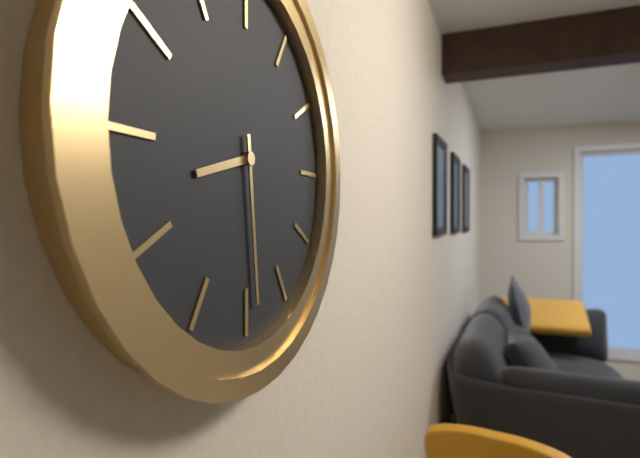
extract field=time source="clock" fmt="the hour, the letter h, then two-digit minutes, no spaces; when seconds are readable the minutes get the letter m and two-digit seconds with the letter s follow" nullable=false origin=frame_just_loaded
8h29
